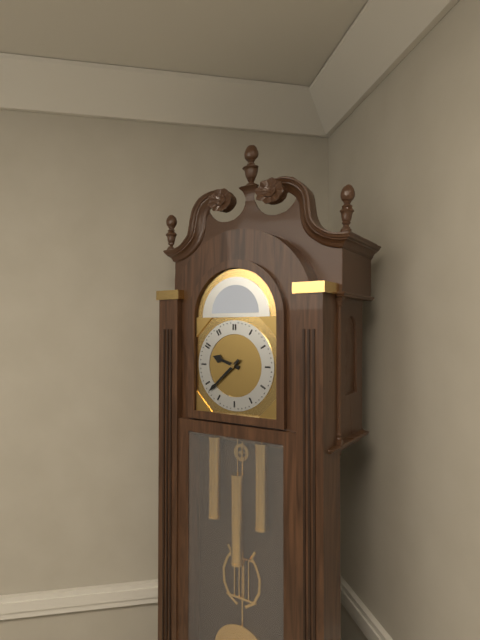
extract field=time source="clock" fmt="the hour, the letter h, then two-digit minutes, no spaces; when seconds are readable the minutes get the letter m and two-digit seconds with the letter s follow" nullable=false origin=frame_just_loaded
9h38
